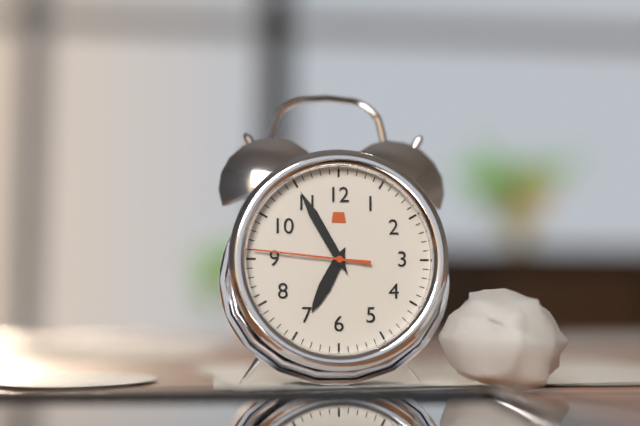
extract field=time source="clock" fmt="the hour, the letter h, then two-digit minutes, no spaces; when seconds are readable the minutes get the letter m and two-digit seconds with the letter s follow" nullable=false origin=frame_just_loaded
6h55m46s
